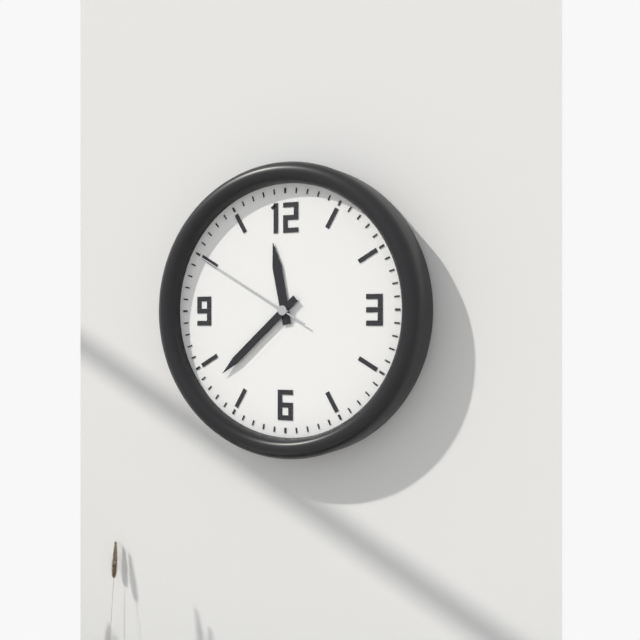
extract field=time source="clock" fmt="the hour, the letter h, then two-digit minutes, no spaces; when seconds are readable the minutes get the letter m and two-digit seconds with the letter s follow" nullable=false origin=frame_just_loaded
11h38m50s
